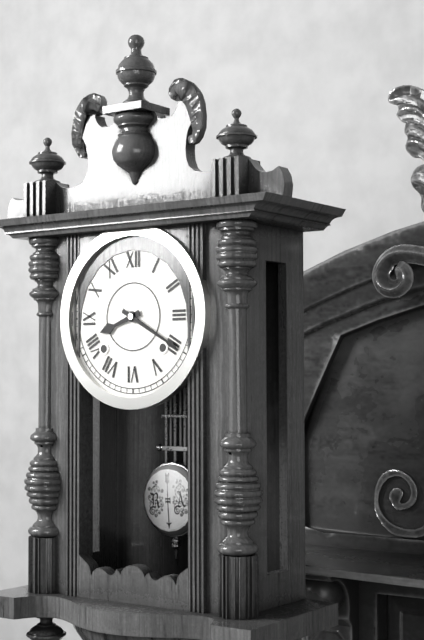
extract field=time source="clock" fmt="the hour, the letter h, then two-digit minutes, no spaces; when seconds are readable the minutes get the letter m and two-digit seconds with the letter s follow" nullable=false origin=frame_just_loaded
8h20
